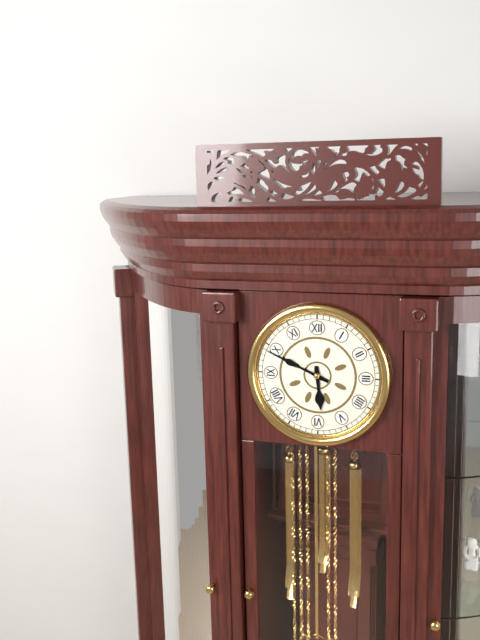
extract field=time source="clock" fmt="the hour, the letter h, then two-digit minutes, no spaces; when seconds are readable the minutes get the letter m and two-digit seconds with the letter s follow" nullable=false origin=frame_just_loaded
5h49
